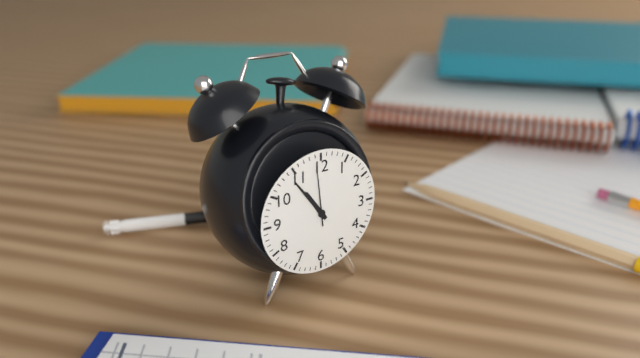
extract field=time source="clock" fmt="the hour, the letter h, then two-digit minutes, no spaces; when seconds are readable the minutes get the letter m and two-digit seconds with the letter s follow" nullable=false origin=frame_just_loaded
10h54m59s
